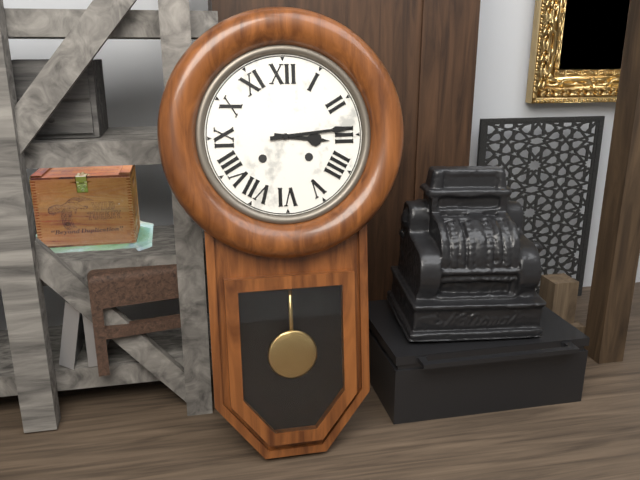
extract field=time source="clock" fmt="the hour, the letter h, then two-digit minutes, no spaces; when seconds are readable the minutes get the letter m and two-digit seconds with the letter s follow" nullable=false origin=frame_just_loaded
3h14
